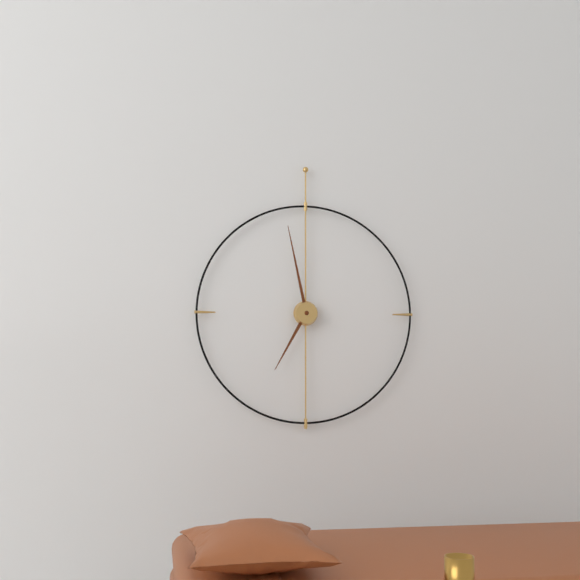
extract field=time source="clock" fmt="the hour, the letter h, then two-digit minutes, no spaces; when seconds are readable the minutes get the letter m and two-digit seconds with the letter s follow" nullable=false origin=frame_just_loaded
6h58
